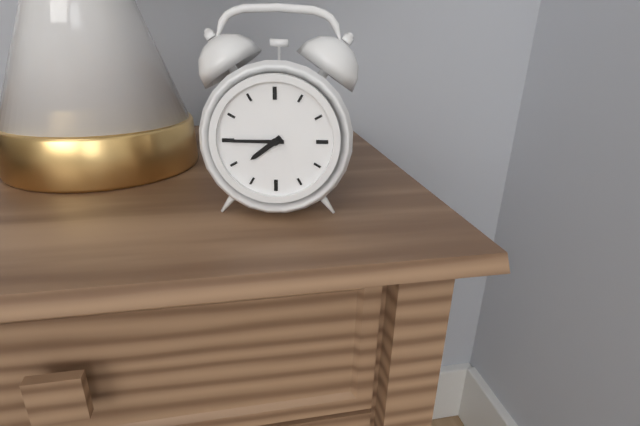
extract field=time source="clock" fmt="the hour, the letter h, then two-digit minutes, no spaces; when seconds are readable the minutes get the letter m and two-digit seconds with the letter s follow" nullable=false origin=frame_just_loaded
7h45
